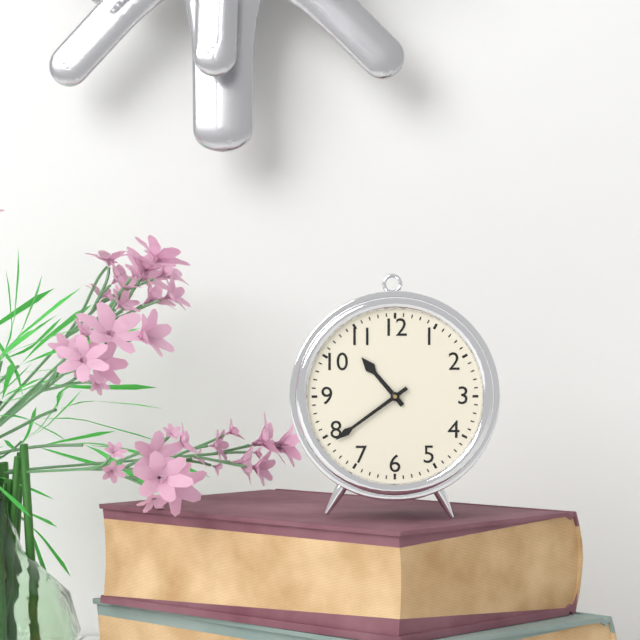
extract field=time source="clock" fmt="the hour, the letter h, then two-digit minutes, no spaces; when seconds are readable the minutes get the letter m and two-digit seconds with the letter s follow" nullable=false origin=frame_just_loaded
10h39
